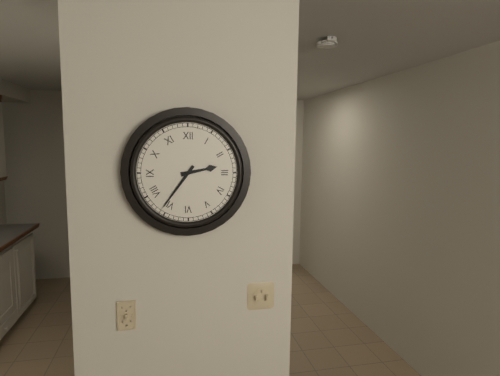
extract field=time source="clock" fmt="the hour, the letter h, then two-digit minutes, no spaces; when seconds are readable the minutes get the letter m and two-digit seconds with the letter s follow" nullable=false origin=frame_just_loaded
2h36
